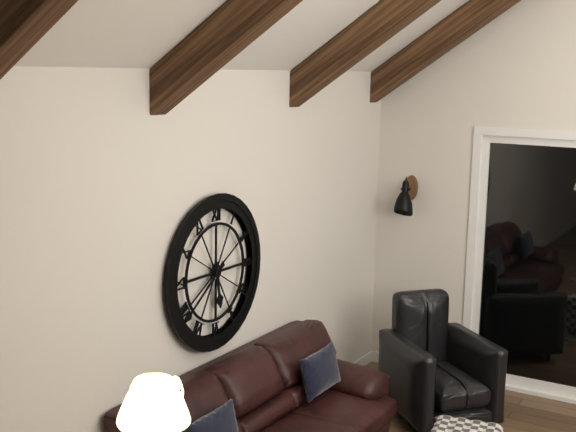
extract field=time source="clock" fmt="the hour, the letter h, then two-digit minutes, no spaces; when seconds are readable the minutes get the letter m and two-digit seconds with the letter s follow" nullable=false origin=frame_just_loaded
5h39
